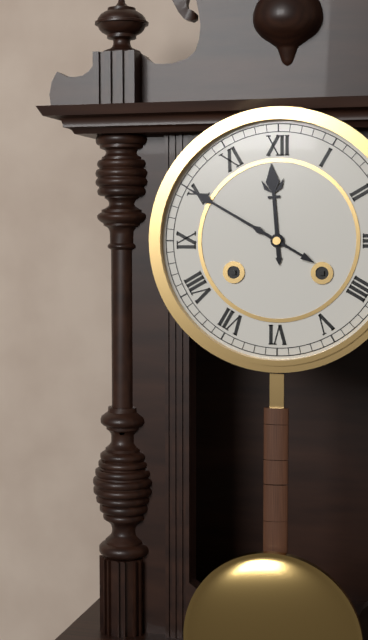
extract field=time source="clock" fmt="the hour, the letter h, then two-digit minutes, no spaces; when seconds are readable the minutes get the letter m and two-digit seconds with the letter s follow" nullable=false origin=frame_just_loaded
11h50
